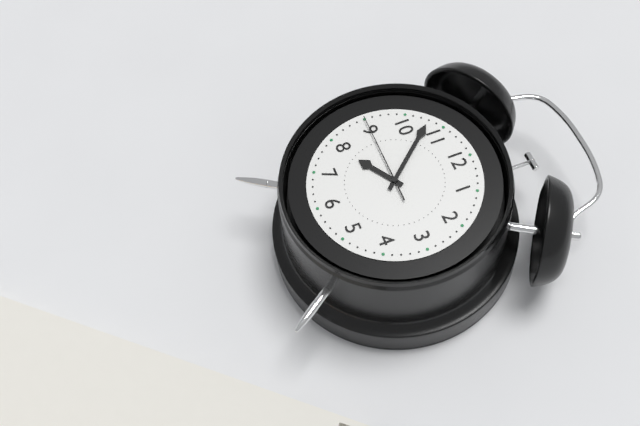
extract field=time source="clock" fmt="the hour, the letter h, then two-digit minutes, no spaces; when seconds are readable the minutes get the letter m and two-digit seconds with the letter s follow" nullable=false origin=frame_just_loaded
7h53m45s
